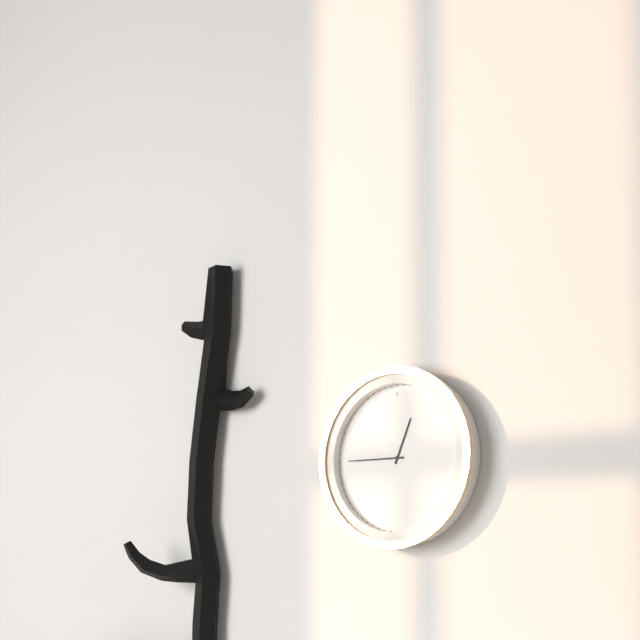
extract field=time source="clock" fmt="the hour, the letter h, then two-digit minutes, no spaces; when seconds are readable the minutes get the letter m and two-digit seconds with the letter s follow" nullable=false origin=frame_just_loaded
12h45
